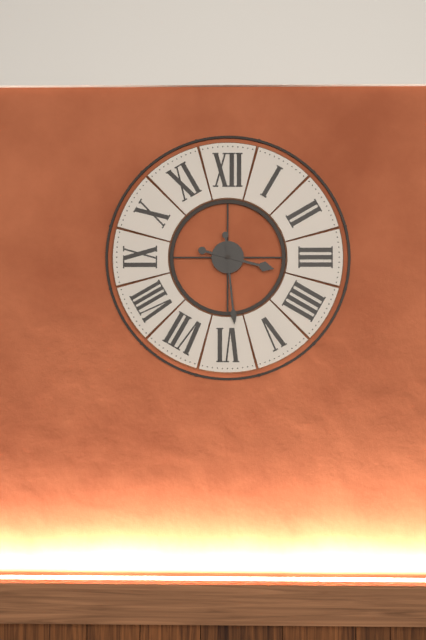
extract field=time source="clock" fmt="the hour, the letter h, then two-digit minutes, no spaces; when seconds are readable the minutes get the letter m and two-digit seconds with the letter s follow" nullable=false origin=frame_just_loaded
3h29
